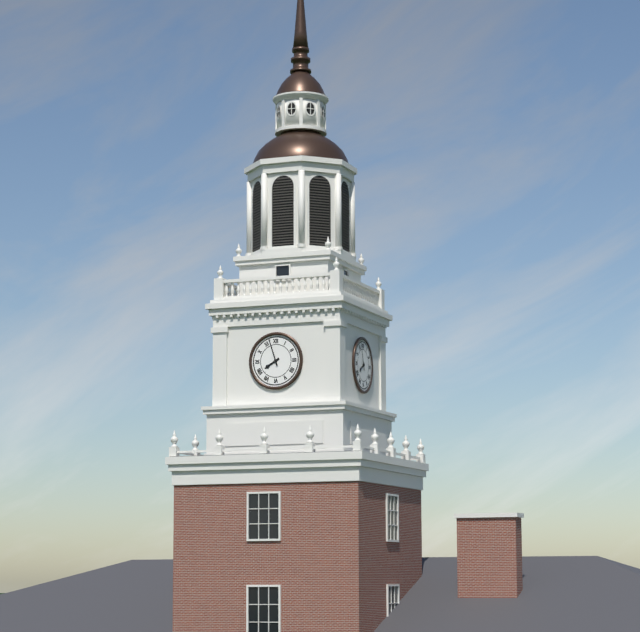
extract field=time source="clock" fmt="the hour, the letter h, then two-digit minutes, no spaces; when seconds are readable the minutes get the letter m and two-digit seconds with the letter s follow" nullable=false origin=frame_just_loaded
7h57
